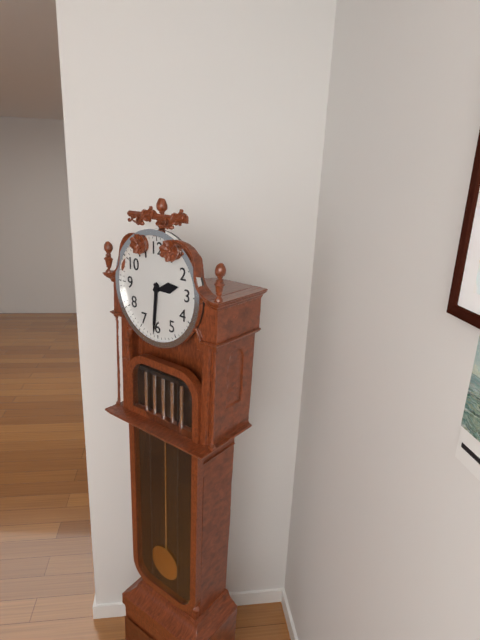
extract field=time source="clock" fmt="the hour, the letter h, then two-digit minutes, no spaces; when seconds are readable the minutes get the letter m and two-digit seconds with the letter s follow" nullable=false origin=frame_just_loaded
2h31
